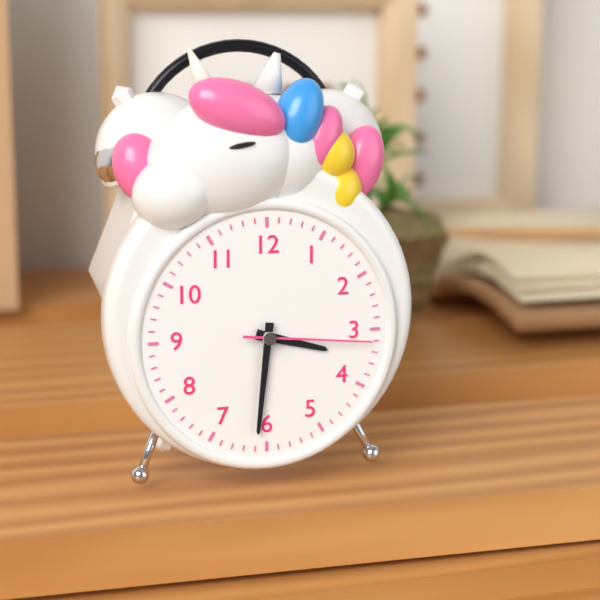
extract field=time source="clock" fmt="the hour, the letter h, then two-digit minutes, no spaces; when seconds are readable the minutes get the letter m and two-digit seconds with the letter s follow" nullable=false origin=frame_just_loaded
3h31m16s
